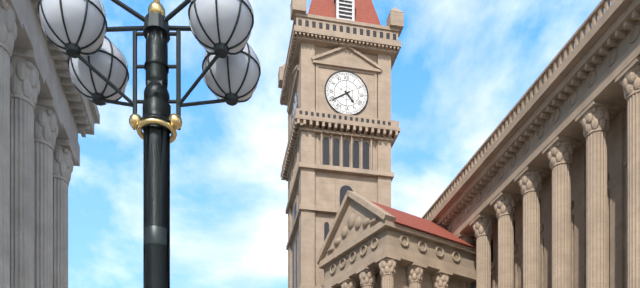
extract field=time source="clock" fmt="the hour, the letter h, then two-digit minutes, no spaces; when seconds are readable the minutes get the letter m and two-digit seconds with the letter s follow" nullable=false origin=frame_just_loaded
4h40
